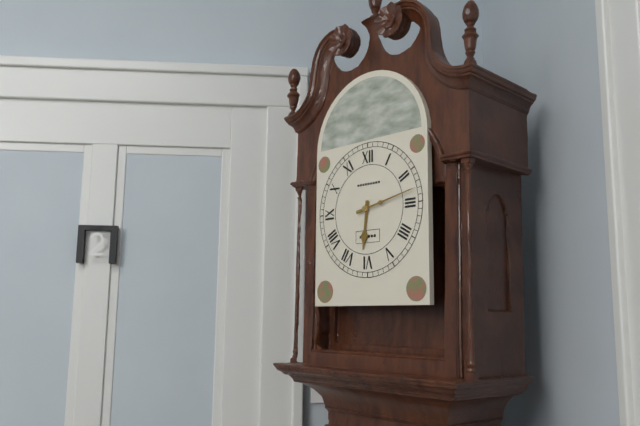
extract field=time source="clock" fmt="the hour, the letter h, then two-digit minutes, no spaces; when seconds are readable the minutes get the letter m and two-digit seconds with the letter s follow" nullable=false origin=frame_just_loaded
6h13
